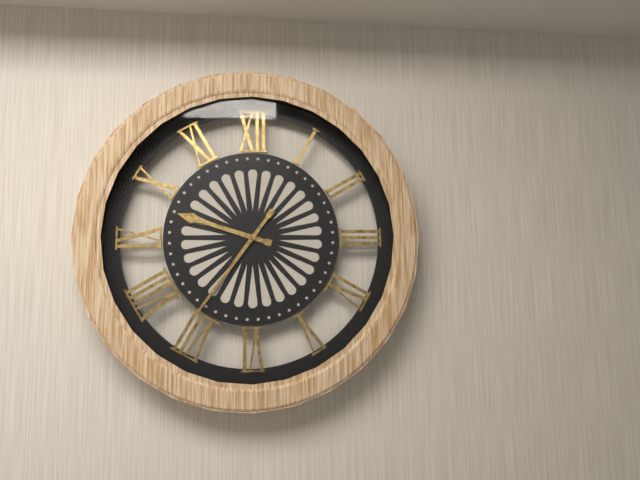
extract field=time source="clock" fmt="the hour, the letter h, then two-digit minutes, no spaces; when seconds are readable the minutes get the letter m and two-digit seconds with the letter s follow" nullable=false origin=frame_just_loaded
9h36
